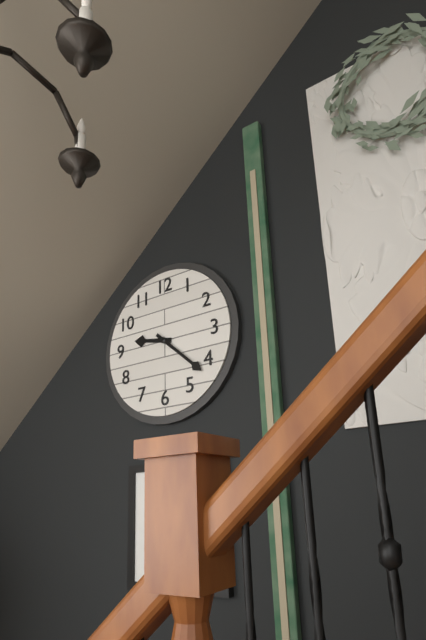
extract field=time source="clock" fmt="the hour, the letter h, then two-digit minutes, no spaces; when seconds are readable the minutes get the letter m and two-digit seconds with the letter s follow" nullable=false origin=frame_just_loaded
9h22
